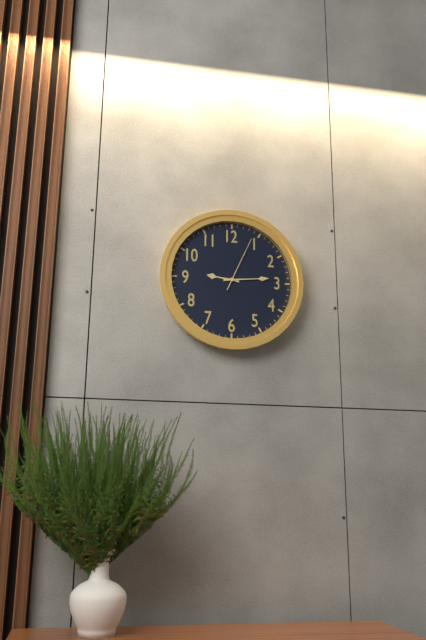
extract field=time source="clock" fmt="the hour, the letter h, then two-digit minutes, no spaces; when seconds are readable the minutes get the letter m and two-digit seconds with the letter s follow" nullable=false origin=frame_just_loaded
9h14m04s
